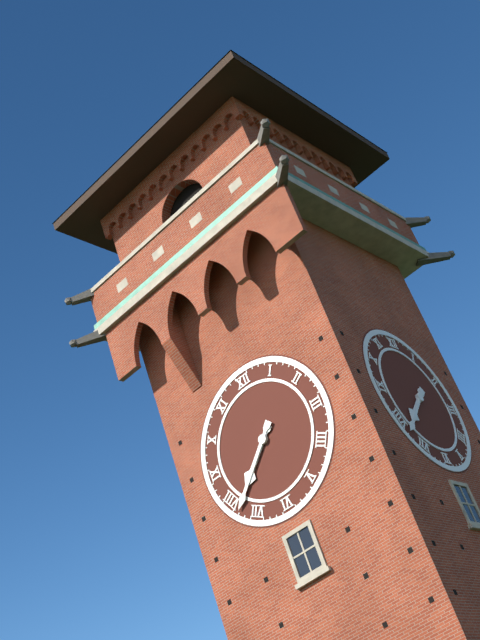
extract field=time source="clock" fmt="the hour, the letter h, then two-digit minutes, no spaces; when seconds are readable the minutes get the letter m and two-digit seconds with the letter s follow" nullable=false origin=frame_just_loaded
7h38
